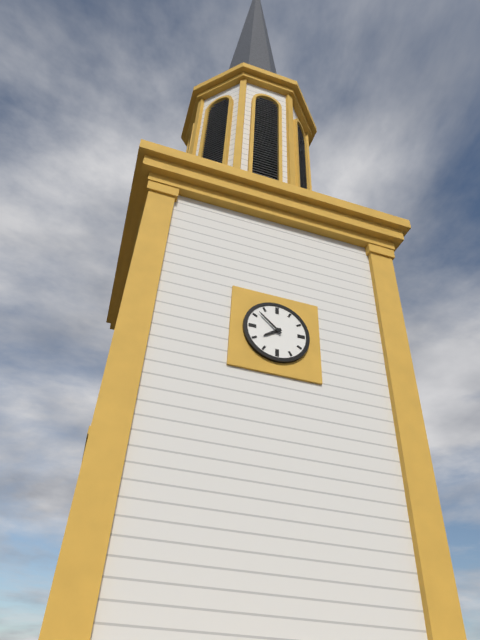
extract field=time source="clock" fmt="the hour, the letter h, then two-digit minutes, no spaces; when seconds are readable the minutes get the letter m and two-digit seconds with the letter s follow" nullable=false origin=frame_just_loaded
7h52
